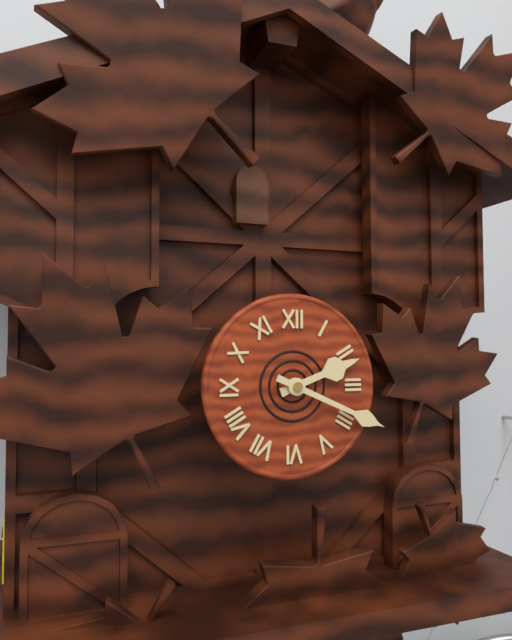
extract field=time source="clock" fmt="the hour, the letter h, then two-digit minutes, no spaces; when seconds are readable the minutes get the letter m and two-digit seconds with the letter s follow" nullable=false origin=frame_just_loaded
2h19
